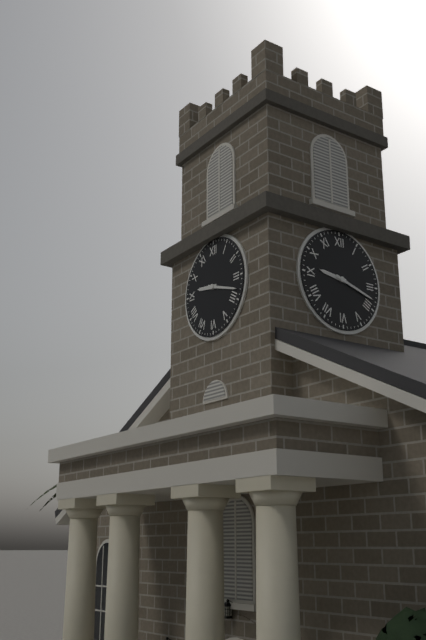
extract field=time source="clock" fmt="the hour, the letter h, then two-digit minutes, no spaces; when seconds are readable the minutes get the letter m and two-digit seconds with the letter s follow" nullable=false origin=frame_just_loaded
9h18
